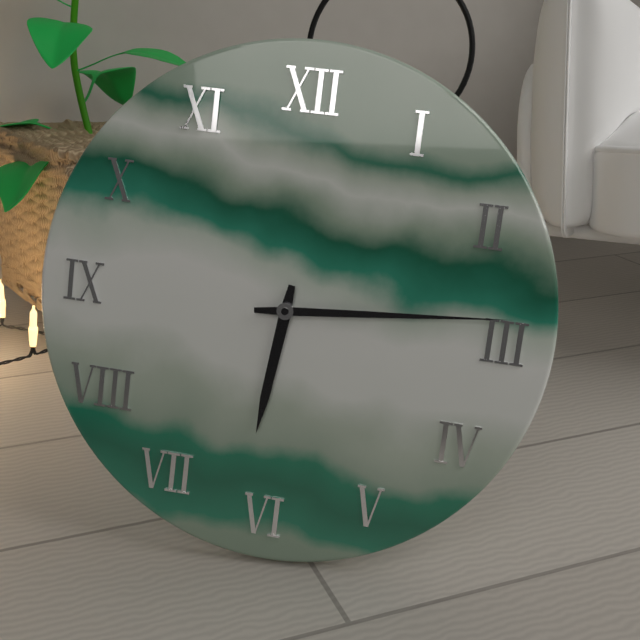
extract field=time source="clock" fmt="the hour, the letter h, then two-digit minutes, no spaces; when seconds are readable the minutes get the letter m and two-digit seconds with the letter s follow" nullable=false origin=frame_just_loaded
6h14
